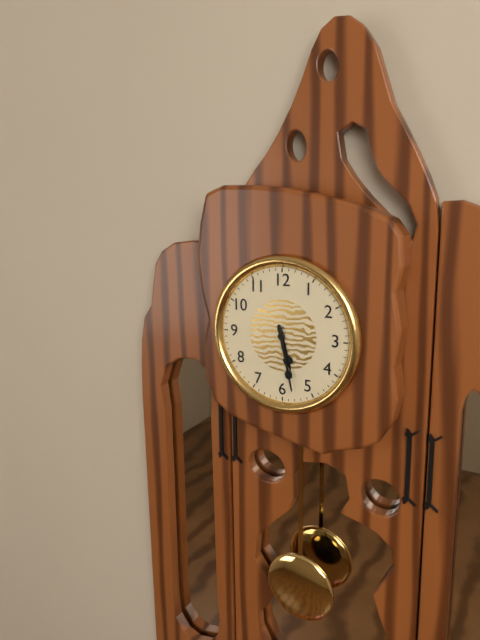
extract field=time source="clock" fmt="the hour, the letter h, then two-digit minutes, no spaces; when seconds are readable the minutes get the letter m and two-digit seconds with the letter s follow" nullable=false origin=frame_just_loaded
5h28
